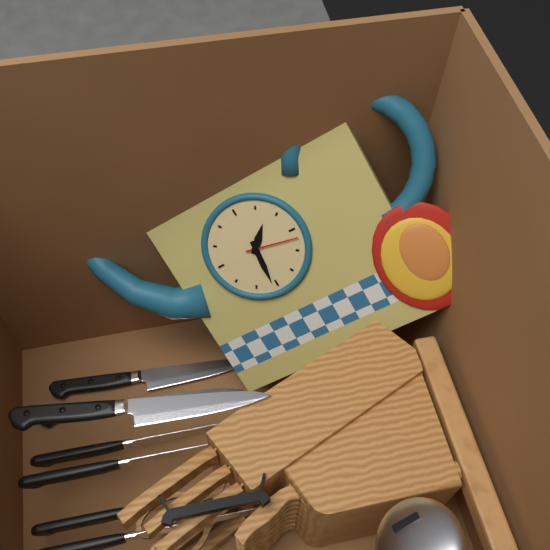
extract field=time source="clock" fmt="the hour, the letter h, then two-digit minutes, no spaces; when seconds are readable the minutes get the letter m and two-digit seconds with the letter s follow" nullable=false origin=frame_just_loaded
1h31m17s
